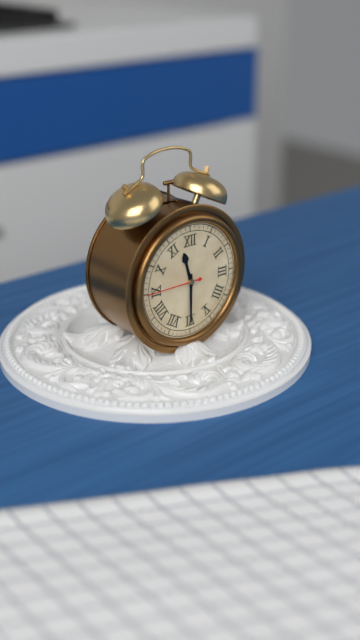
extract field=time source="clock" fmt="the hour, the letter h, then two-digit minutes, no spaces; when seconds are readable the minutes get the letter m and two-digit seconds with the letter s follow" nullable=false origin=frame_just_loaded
11h30m45s
